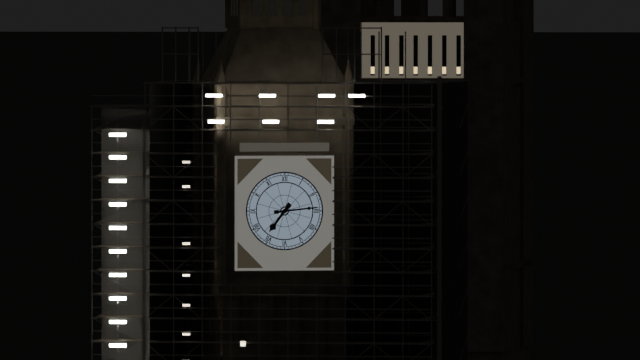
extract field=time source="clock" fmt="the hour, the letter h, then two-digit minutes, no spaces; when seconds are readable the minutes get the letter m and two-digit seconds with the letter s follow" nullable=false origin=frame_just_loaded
7h14
